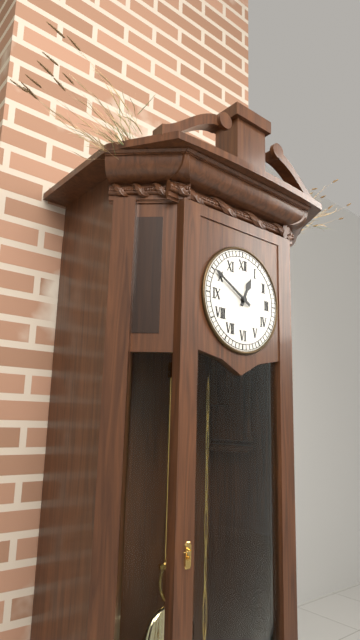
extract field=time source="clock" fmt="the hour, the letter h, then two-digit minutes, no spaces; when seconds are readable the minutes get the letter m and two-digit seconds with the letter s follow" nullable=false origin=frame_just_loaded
12h50
